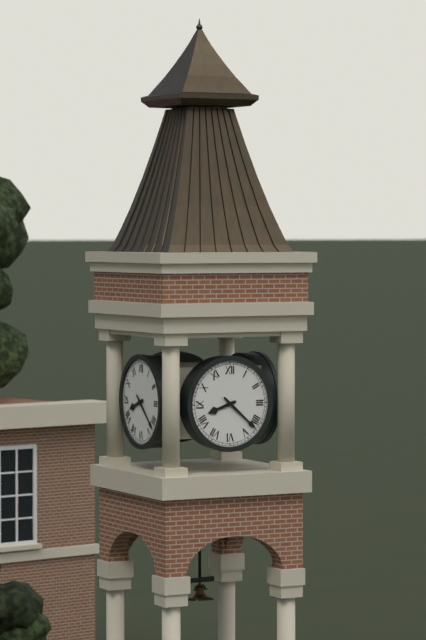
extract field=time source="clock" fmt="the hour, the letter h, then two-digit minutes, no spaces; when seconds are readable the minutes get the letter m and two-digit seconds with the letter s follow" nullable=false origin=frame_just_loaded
8h22
